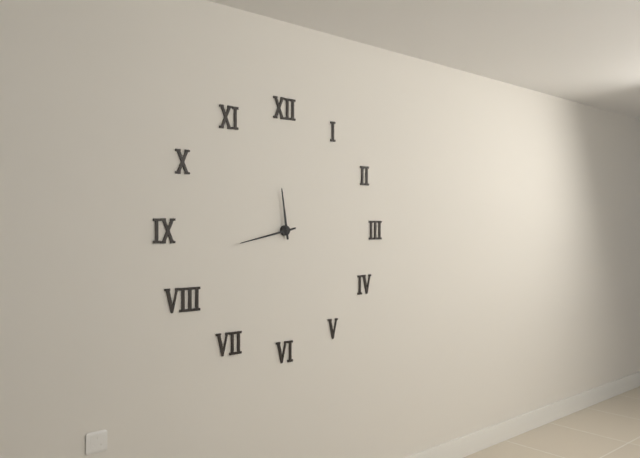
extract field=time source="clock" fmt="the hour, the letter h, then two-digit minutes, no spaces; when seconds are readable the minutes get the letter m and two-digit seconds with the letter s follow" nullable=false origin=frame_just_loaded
11h43
